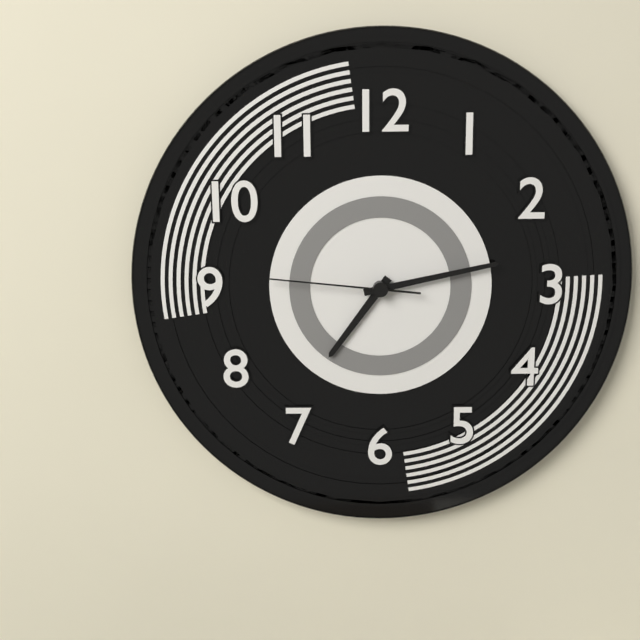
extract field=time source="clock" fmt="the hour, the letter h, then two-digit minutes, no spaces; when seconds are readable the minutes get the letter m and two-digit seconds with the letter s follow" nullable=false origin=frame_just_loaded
7h13m46s
